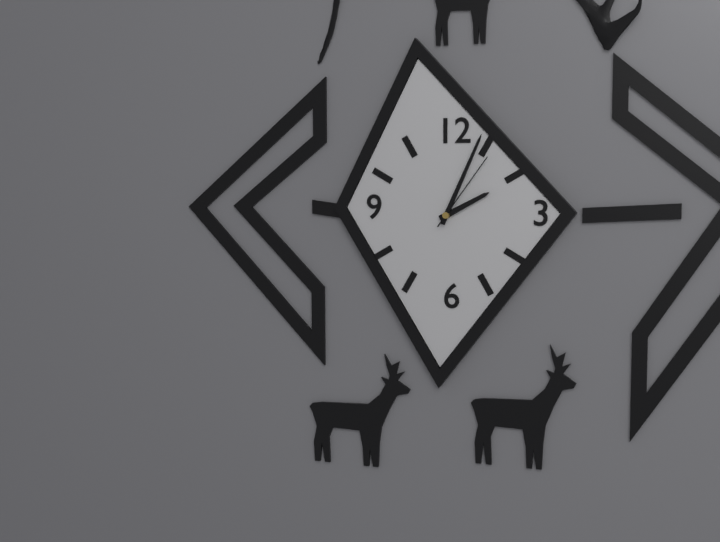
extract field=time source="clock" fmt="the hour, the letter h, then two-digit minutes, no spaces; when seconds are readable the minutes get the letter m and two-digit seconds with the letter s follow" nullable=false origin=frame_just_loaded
2h04m06s
